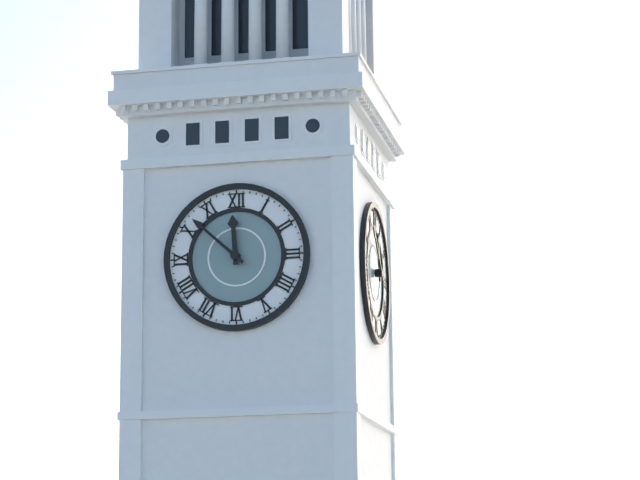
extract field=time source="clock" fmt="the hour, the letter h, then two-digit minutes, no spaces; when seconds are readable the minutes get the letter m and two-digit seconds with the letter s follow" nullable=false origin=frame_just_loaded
11h52
